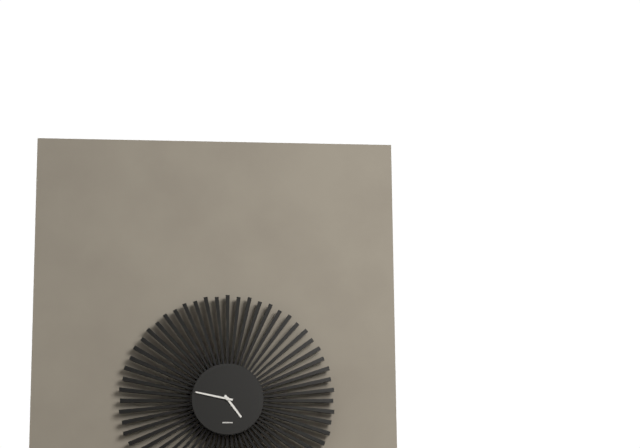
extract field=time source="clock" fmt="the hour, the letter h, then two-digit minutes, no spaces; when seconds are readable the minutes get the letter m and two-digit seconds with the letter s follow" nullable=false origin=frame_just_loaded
4h47
